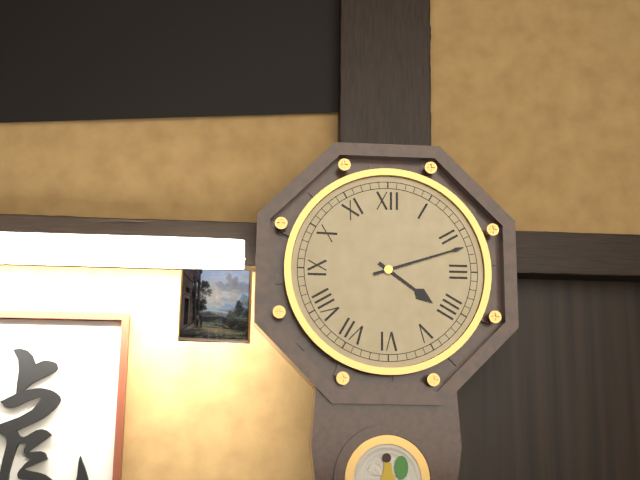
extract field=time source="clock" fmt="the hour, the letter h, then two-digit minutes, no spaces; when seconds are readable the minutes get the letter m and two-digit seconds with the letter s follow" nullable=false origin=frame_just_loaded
4h12
